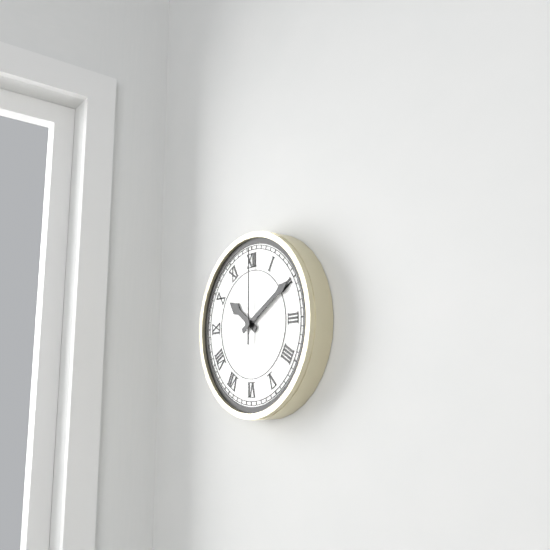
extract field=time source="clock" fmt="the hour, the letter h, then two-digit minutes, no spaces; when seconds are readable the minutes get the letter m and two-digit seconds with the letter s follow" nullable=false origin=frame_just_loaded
10h10m00s
